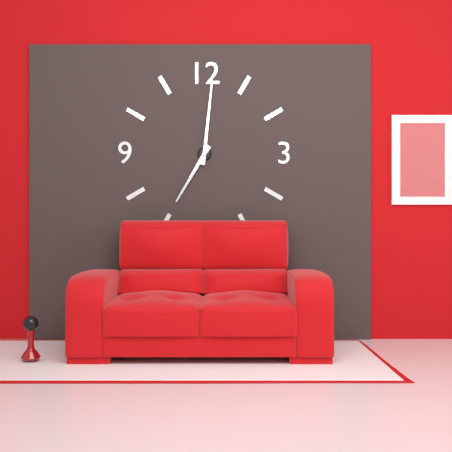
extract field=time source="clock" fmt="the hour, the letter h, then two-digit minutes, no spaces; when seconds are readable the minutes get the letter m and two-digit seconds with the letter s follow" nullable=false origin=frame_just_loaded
7h01
